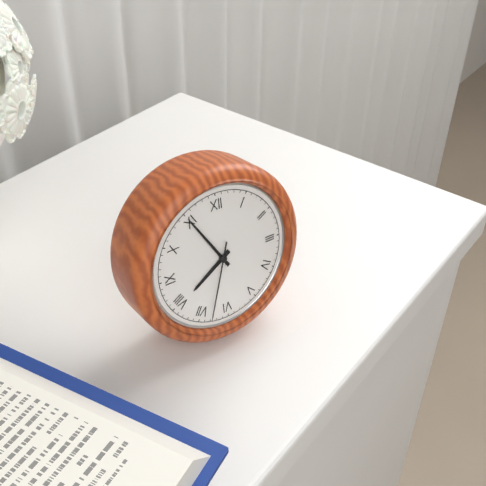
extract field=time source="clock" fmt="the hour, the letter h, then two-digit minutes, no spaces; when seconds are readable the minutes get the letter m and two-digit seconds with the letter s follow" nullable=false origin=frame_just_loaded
7h55m33s
